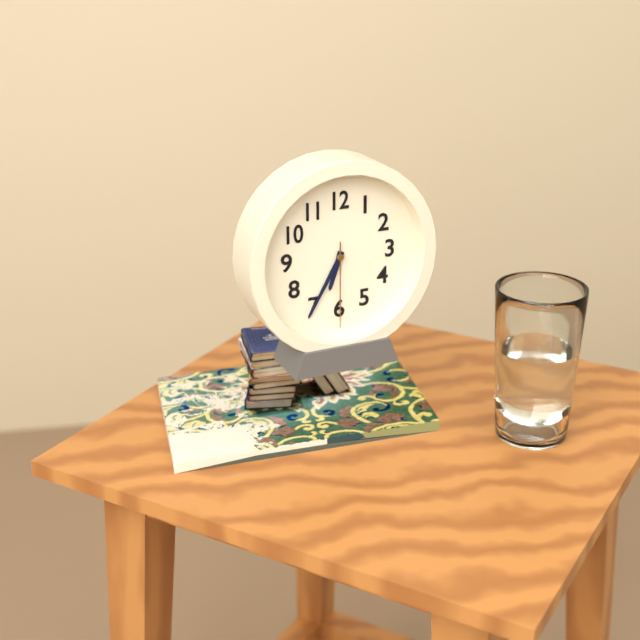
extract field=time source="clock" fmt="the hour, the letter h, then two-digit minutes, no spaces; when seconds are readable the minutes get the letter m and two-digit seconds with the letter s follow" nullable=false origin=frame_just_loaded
6h35m30s
